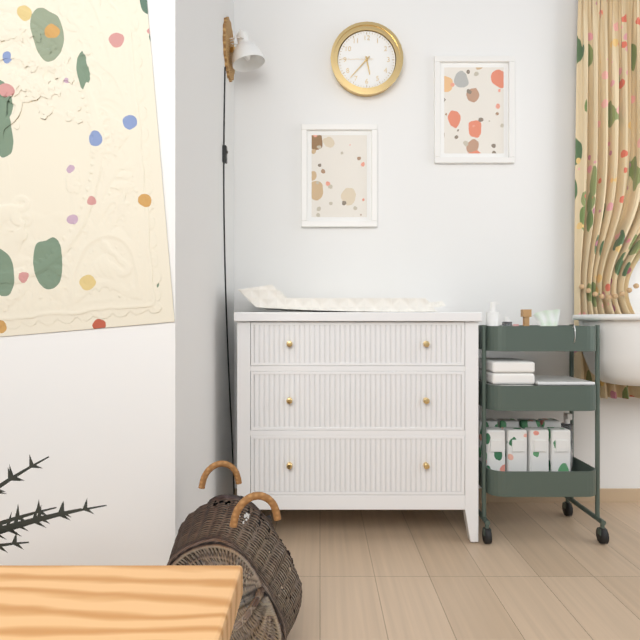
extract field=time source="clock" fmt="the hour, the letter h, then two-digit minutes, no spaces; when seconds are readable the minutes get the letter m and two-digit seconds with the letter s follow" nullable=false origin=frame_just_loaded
5h37
